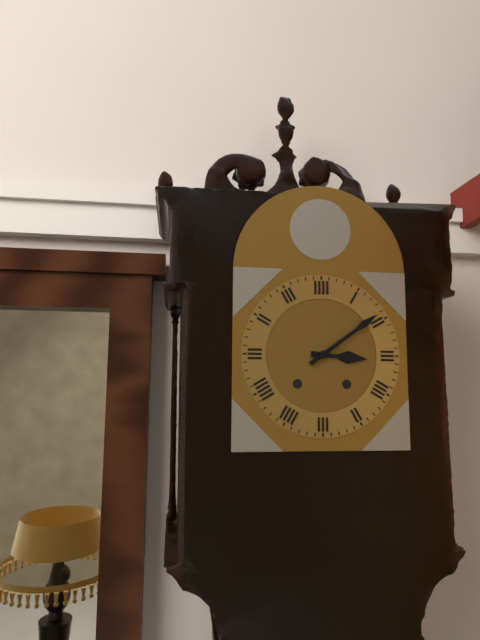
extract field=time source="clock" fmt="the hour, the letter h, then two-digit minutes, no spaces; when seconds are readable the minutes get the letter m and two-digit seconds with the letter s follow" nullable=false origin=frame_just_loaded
3h09
